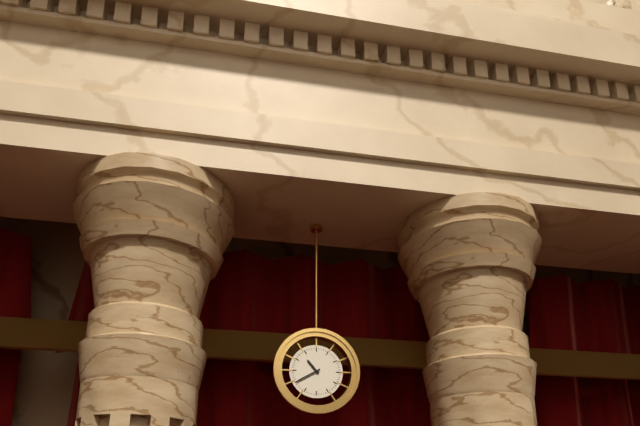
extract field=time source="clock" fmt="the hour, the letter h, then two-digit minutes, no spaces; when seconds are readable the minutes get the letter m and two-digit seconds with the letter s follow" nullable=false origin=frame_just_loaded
10h40
